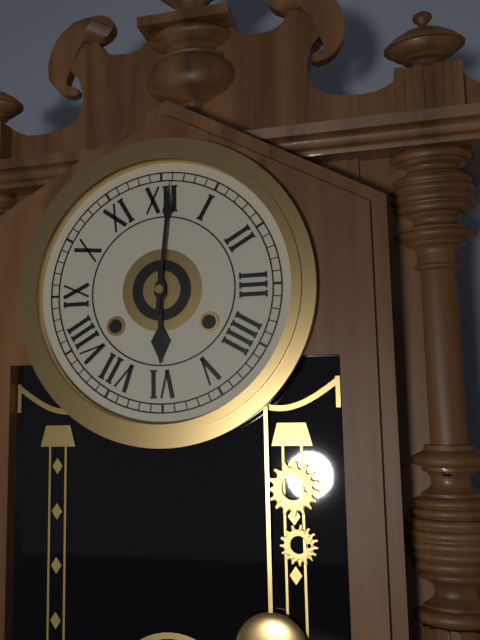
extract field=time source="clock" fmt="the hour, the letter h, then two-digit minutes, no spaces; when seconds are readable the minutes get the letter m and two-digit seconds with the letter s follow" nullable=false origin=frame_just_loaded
6h01
